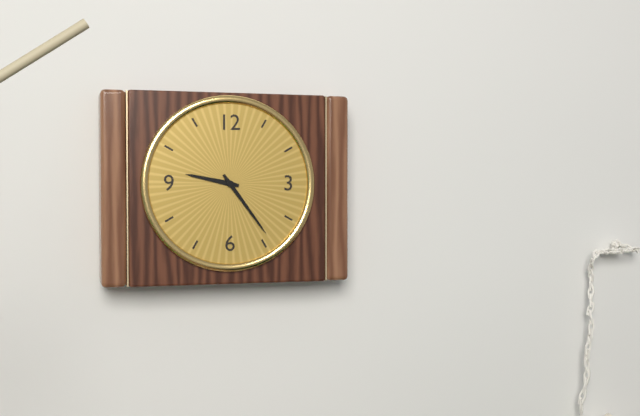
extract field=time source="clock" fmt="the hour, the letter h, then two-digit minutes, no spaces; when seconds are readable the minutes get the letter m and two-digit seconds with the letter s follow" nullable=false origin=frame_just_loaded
9h24
